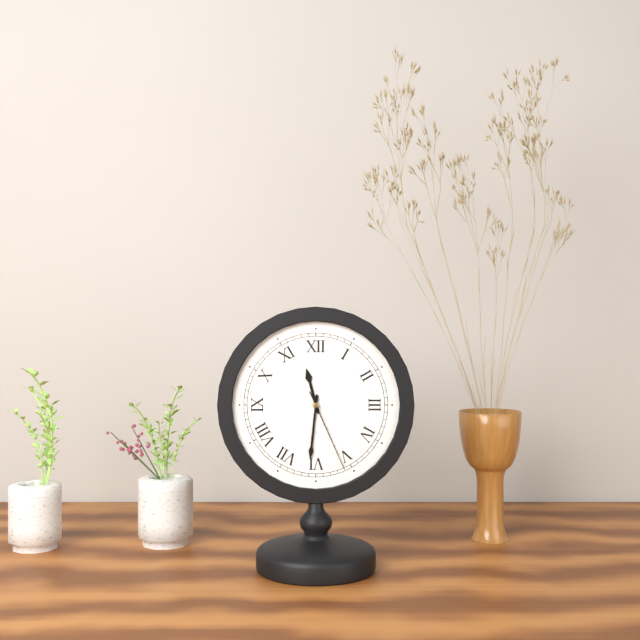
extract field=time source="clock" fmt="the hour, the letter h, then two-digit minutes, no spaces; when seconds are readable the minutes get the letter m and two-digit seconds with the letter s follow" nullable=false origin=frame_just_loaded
11h31m26s
